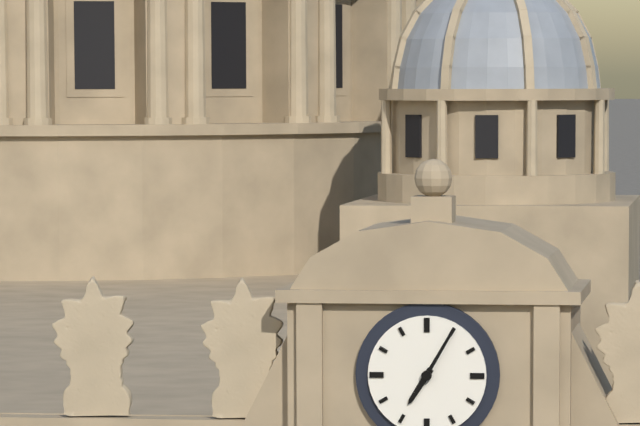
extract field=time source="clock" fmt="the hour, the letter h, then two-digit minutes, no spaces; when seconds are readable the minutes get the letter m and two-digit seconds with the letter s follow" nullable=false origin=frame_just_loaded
7h05
